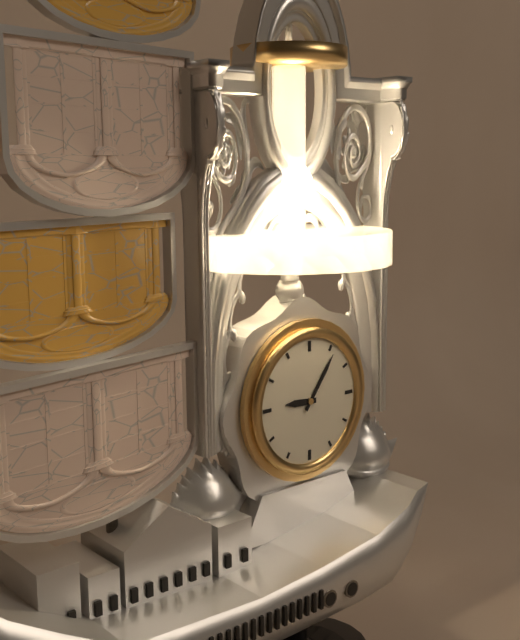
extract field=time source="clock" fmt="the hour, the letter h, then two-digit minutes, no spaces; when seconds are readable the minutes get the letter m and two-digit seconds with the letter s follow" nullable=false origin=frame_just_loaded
9h06
